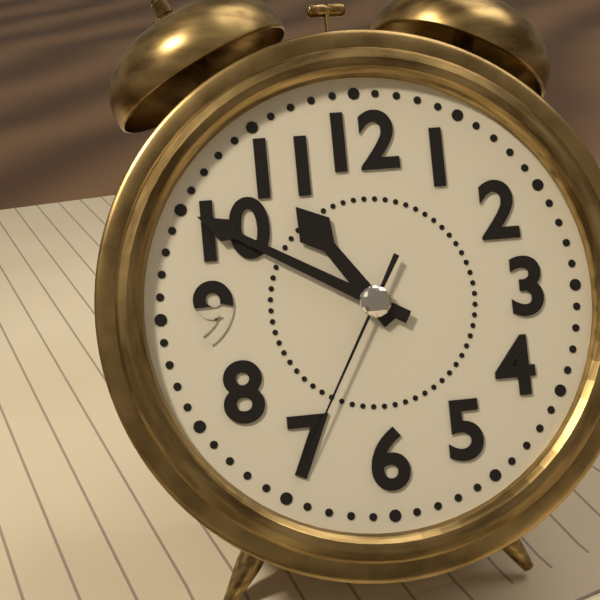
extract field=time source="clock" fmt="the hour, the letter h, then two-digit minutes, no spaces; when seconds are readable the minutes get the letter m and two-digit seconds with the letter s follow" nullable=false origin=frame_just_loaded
10h50m35s
